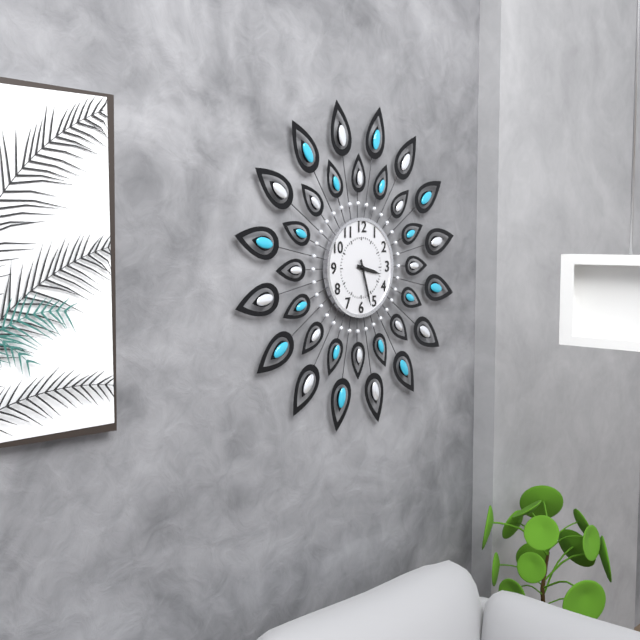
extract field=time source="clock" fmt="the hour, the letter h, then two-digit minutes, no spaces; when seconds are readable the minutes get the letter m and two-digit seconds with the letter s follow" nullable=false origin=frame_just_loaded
3h27
